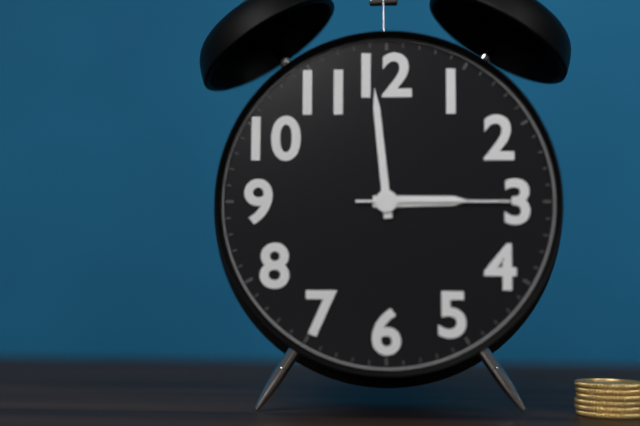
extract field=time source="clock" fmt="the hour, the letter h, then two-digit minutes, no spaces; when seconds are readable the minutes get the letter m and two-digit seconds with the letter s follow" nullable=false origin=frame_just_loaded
2h59m15s
